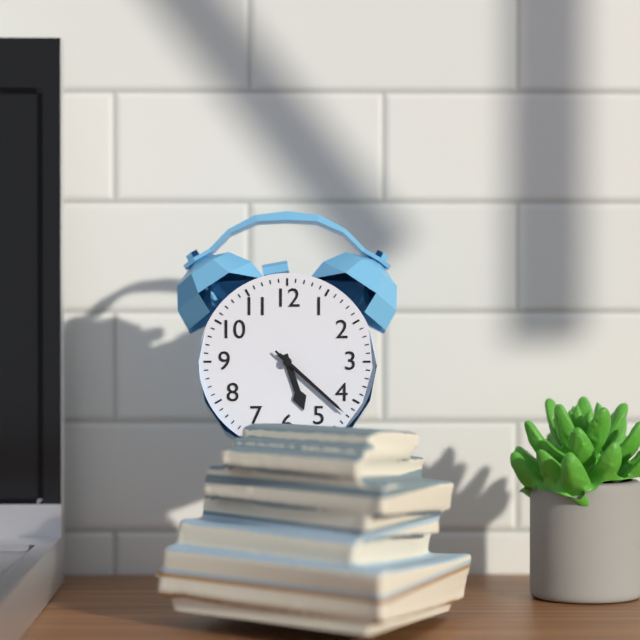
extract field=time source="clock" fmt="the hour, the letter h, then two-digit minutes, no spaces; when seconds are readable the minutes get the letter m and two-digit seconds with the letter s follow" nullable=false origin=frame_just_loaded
5h22m22s
